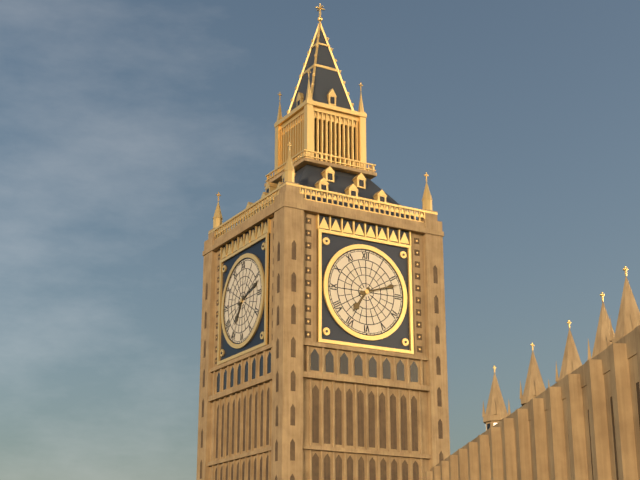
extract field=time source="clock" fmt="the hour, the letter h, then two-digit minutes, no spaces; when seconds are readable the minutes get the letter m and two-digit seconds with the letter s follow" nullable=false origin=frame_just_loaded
7h12
